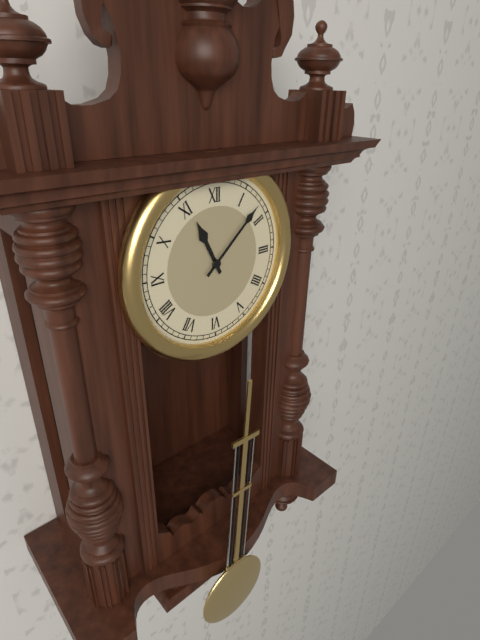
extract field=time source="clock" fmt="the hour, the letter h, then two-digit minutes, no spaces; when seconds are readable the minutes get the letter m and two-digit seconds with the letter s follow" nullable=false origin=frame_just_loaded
11h08
